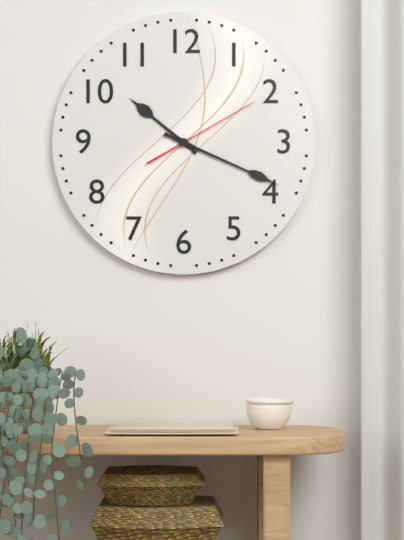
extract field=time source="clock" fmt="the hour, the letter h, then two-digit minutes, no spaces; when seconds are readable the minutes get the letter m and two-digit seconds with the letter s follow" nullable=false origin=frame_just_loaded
10h19m10s
